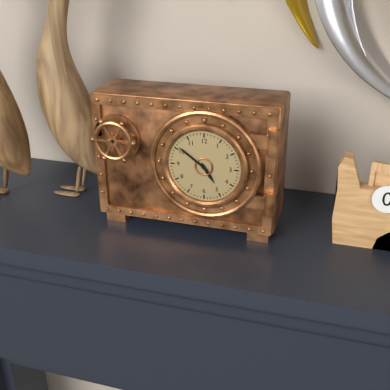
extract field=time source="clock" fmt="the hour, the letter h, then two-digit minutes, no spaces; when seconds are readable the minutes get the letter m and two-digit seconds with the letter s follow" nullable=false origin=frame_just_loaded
4h51
